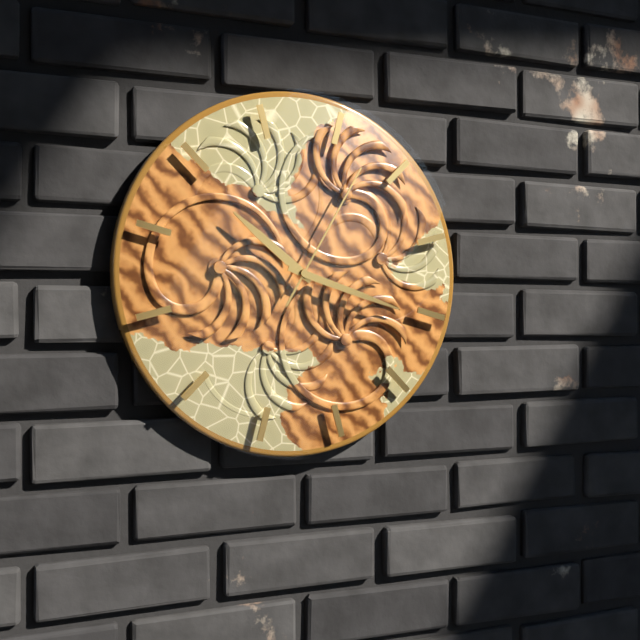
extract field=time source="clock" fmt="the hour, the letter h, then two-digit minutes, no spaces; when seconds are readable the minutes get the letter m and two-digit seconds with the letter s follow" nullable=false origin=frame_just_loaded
10h18m05s
